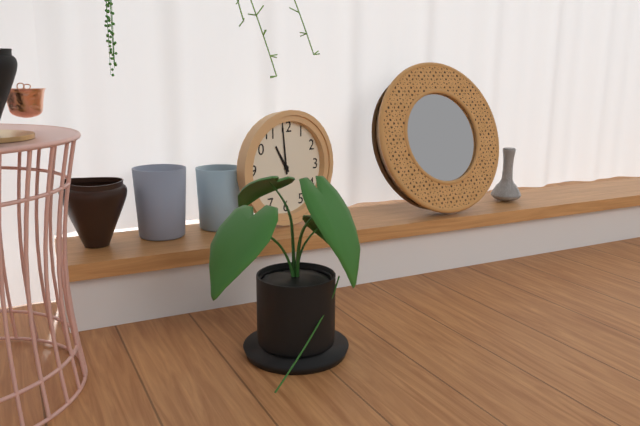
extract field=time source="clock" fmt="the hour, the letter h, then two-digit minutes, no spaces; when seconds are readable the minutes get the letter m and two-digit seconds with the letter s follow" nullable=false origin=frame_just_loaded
10h59
